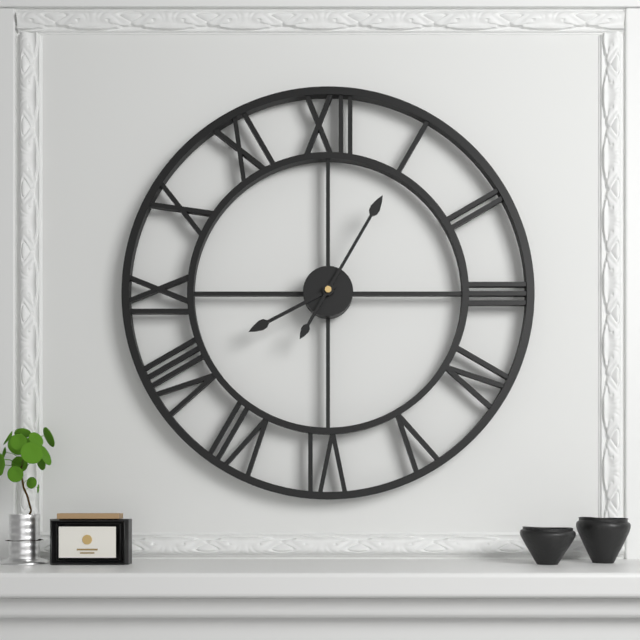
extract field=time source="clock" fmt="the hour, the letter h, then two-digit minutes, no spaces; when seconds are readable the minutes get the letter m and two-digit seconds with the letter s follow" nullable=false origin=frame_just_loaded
8h05
